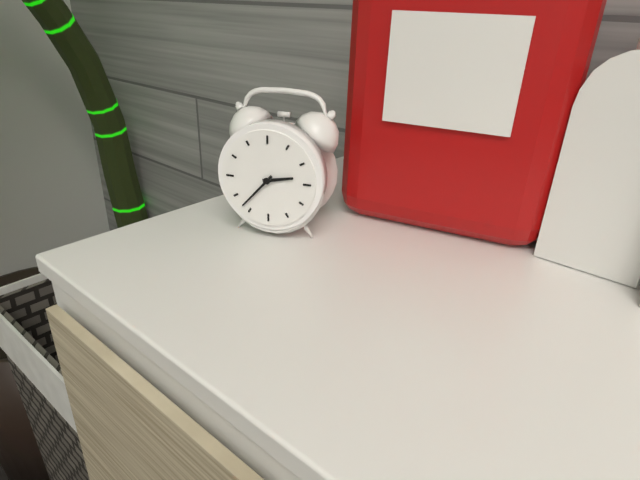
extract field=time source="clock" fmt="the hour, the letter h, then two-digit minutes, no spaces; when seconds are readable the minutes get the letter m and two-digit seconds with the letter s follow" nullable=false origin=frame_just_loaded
2h37
